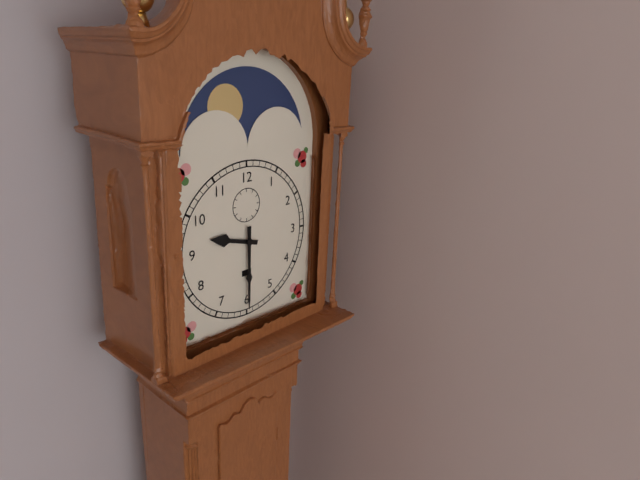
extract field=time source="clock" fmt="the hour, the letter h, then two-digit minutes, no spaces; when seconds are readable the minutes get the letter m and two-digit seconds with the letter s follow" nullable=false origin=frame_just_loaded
9h30
